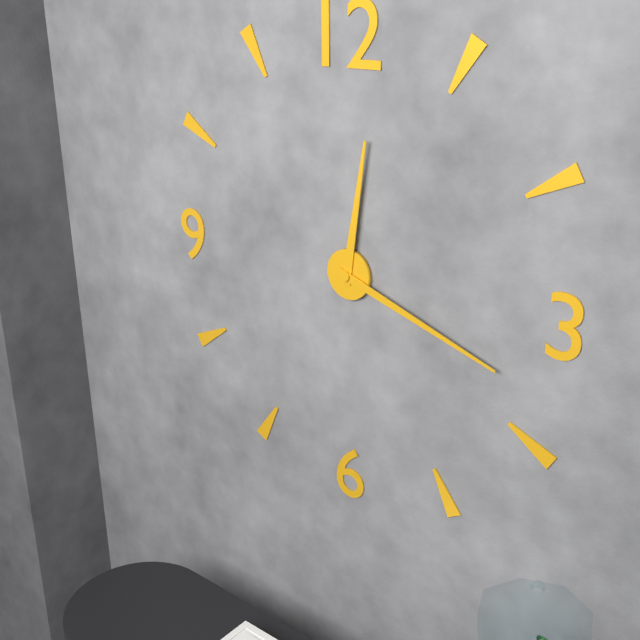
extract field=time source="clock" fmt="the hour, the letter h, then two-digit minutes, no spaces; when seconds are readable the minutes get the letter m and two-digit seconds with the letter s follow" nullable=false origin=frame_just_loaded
12h18
